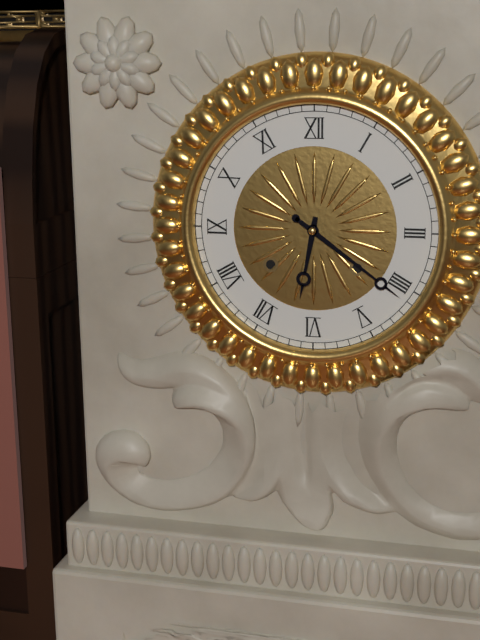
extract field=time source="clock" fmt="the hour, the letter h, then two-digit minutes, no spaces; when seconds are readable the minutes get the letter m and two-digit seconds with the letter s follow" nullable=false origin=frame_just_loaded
6h21
